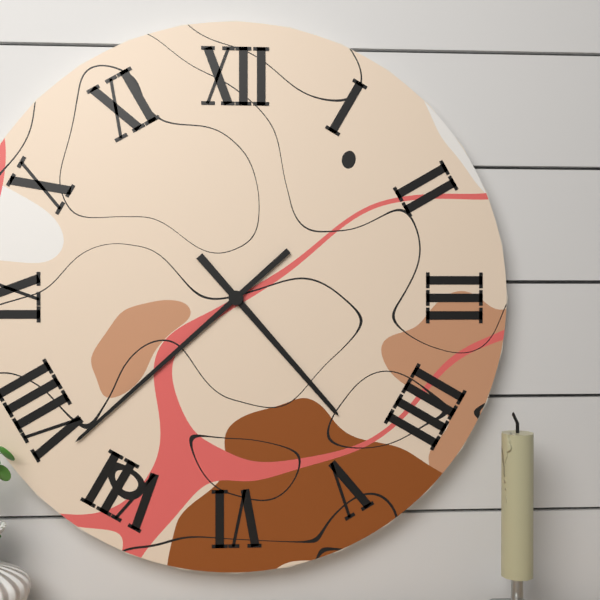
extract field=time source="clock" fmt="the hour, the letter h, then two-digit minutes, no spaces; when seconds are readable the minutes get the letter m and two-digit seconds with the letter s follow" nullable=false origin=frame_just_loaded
4h38
